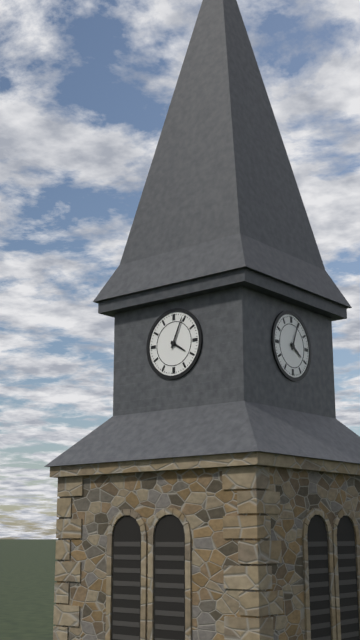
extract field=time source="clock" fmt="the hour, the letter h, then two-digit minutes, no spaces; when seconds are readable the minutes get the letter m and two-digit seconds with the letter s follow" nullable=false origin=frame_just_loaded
4h04
